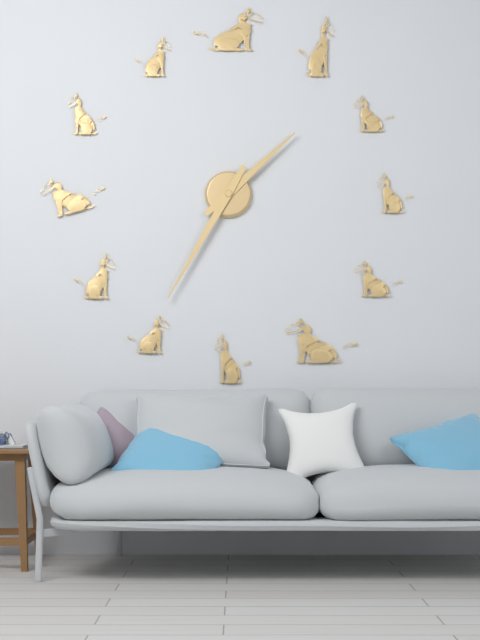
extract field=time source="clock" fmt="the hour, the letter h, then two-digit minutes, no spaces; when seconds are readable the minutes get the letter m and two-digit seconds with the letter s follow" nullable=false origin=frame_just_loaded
1h35
